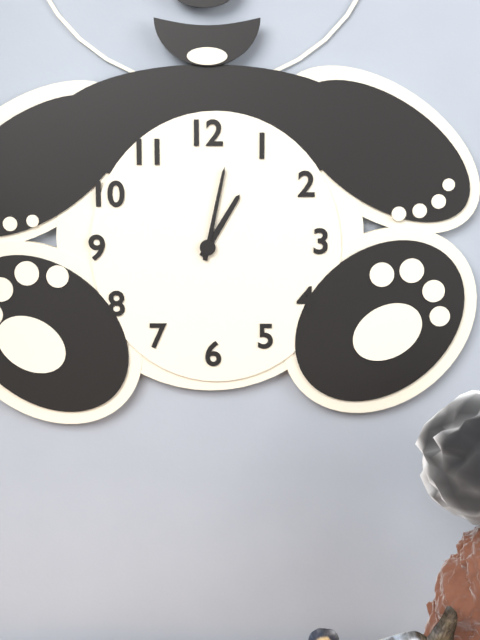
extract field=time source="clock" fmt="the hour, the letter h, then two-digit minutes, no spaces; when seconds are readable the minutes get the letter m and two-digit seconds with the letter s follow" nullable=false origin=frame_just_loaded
1h02
